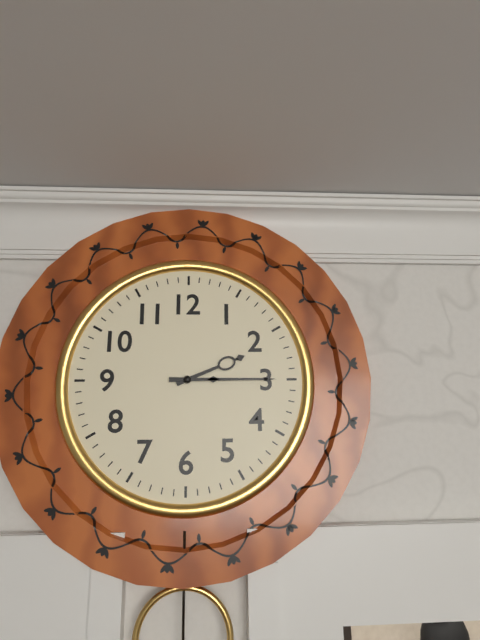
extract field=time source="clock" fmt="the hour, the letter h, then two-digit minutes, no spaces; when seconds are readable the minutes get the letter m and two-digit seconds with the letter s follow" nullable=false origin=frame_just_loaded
2h15
